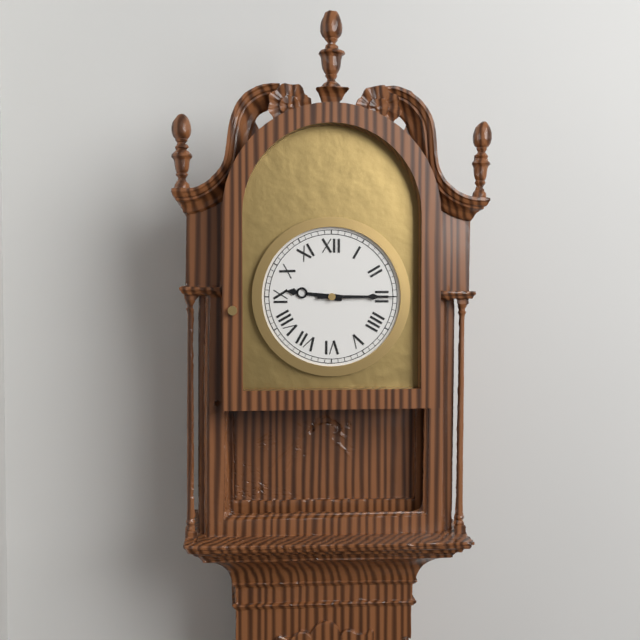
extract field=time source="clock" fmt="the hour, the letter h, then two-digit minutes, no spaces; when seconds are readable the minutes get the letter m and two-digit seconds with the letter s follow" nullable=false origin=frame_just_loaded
9h15
